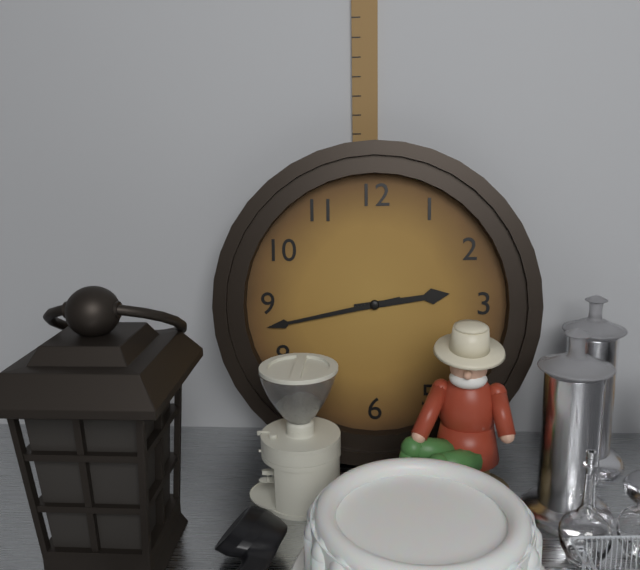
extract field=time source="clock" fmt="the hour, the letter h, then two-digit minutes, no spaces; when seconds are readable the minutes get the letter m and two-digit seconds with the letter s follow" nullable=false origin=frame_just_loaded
2h43
